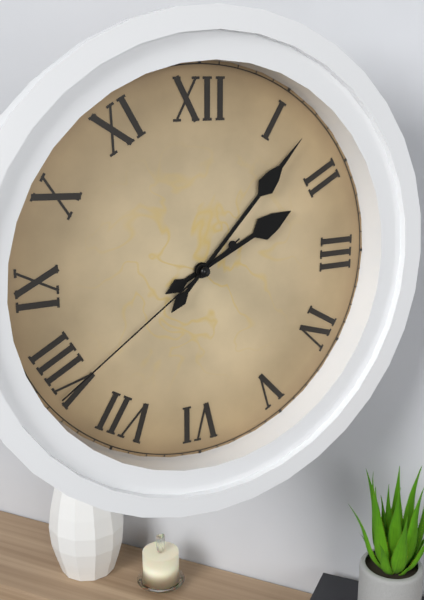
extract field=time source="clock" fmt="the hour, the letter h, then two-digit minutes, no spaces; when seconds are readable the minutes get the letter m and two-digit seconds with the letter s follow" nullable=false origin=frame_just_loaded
2h07m39s
